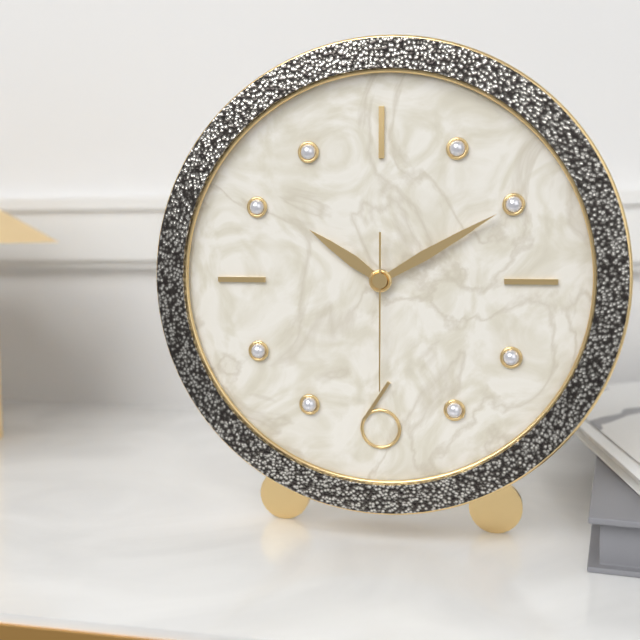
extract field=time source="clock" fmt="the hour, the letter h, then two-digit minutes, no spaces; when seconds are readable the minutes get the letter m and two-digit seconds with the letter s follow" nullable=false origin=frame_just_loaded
10h10m30s
